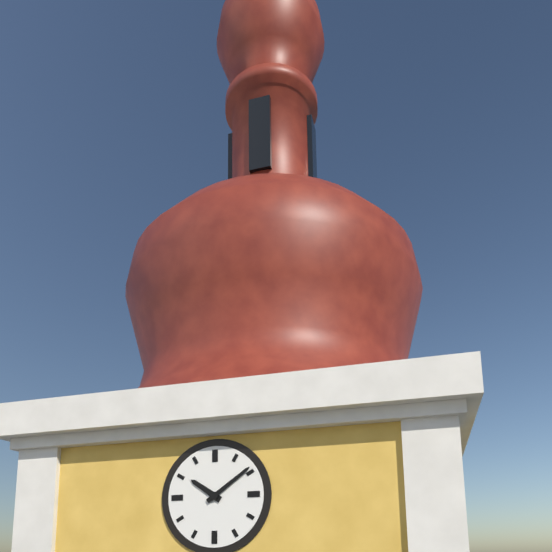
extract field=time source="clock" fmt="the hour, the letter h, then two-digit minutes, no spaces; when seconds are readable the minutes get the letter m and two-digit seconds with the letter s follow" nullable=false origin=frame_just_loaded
10h09
